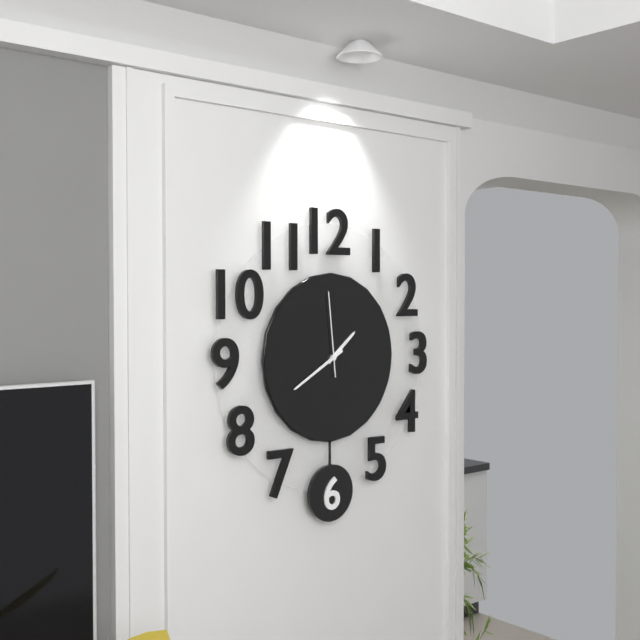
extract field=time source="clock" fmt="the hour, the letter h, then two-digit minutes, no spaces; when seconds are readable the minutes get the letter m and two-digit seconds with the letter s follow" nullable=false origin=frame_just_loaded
1h40m59s
